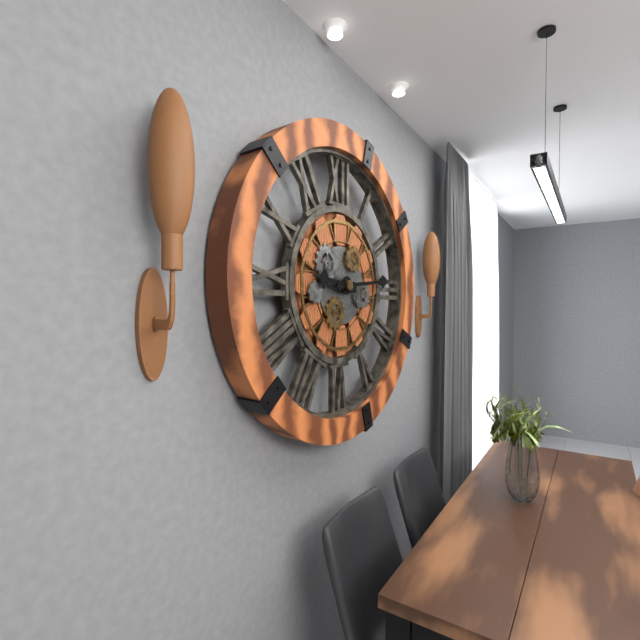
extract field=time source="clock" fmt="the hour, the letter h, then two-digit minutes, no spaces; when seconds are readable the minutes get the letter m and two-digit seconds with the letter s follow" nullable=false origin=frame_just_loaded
9h14
